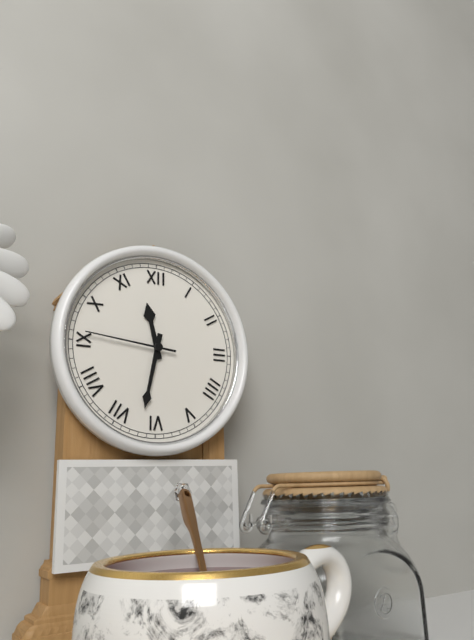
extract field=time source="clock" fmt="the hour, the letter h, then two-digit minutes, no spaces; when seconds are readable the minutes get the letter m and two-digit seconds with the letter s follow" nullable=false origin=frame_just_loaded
11h32m46s
